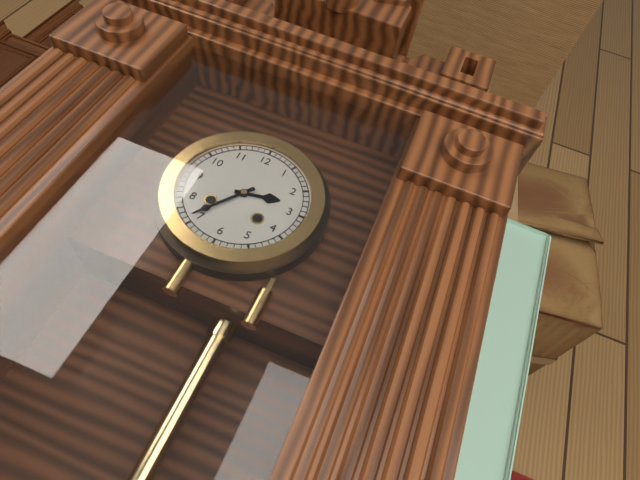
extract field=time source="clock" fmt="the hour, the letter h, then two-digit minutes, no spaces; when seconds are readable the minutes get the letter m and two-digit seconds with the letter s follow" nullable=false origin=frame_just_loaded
2h36
